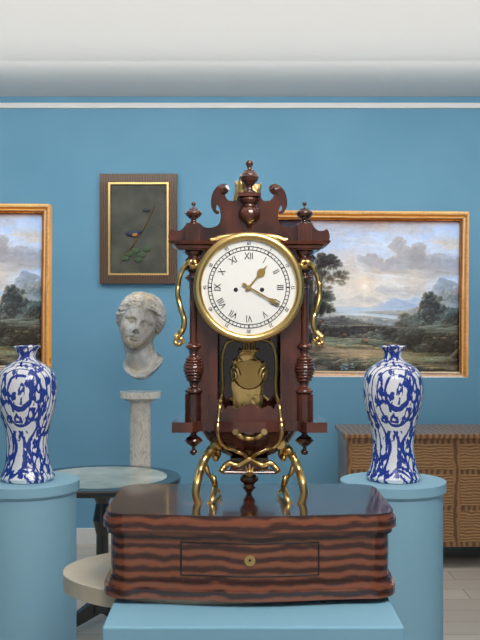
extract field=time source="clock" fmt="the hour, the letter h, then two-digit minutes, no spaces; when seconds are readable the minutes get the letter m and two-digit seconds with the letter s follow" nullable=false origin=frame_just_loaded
1h20
